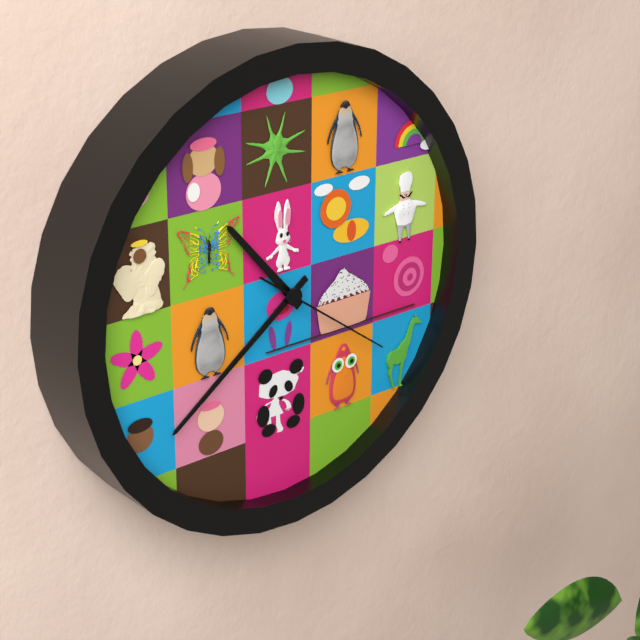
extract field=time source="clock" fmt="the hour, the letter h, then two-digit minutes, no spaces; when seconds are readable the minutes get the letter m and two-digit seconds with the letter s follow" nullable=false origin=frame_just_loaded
10h39m21s
